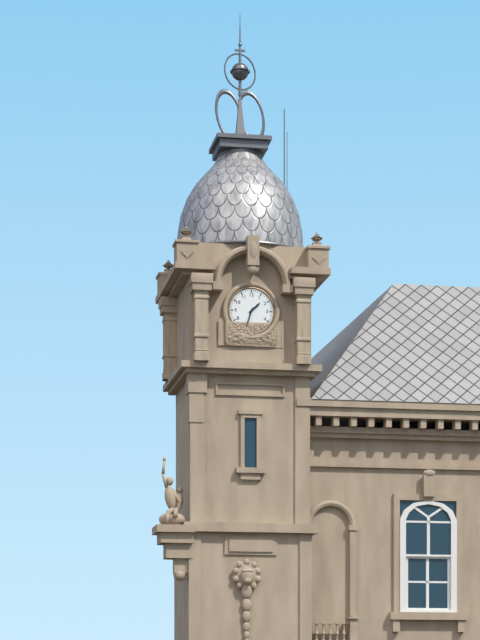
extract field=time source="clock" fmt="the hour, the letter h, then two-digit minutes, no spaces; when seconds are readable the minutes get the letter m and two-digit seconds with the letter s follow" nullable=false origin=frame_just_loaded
1h33
